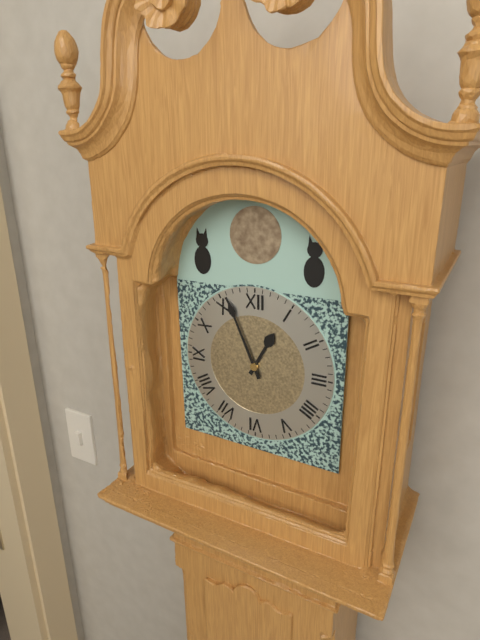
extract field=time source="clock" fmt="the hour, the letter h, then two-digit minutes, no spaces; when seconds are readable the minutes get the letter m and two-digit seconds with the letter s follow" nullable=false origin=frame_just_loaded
12h56
